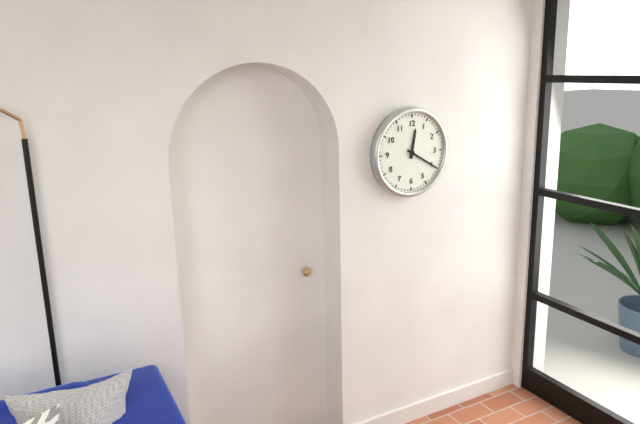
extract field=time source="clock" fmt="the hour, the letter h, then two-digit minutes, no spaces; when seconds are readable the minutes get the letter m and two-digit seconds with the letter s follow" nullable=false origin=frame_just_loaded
12h20
